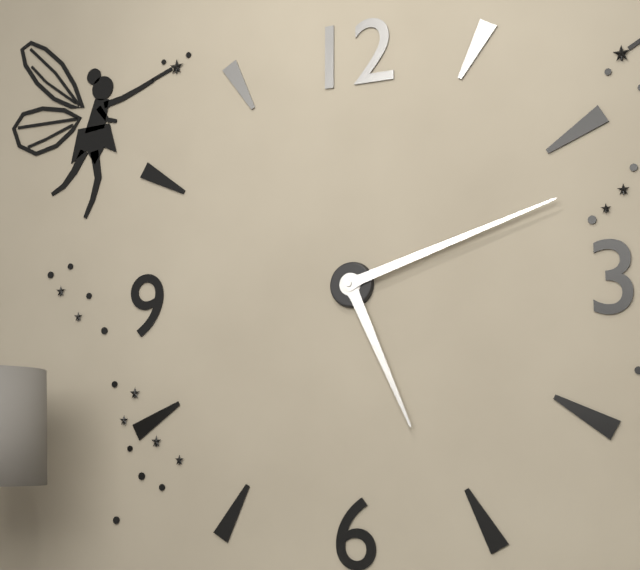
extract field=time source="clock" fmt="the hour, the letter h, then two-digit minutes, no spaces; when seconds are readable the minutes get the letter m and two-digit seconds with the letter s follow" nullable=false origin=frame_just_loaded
5h12
